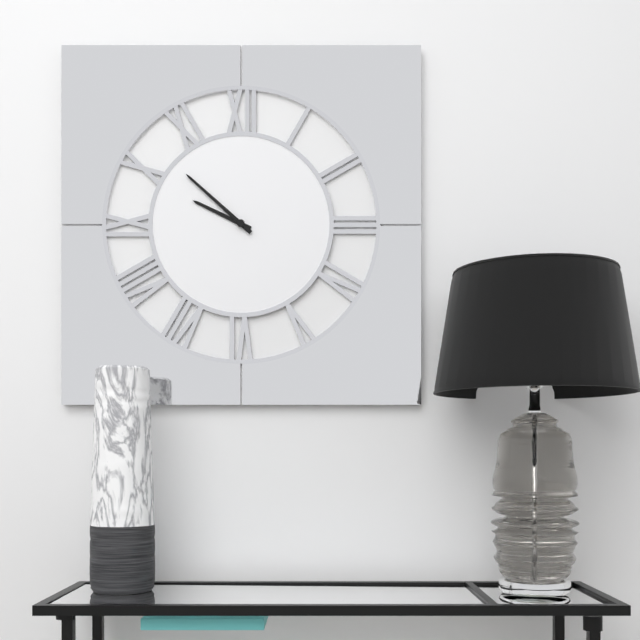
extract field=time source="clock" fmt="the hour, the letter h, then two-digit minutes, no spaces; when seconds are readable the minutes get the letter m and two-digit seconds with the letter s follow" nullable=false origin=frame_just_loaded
9h52
